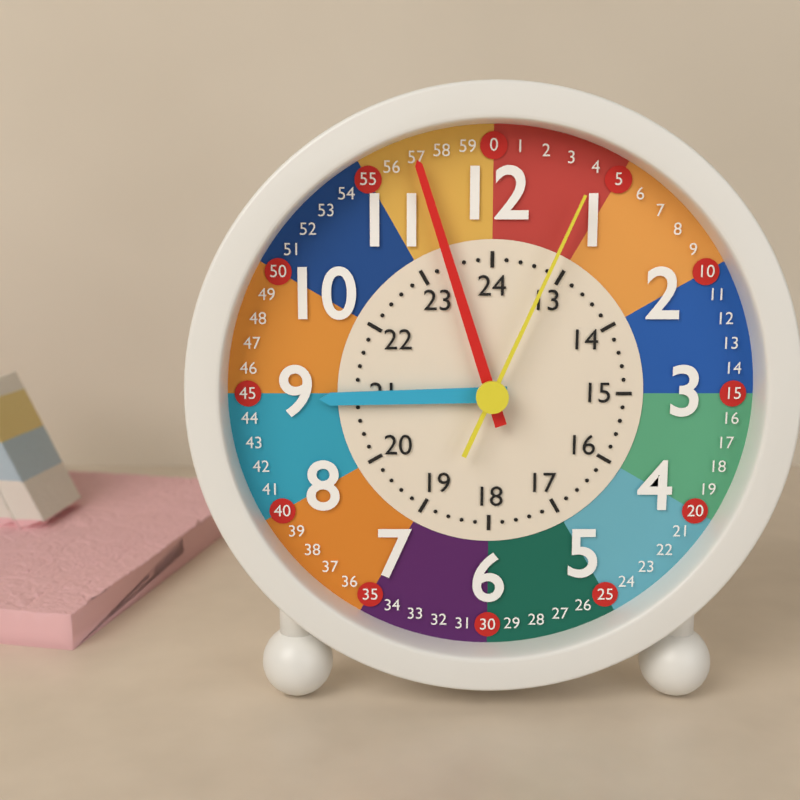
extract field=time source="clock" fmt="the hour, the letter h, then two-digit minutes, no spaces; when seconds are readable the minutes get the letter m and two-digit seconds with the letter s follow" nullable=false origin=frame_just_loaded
8h57m04s
